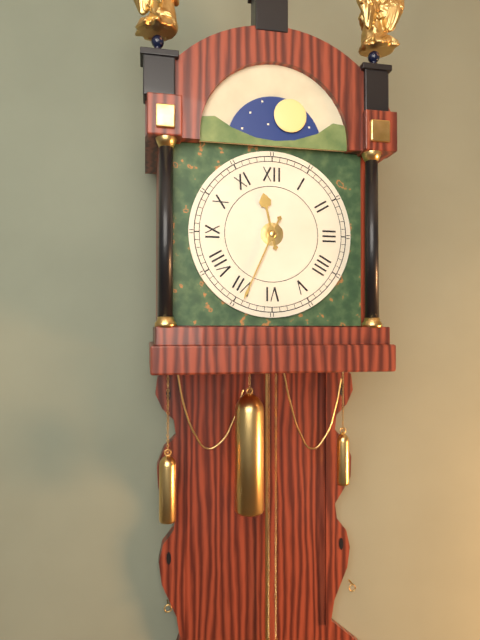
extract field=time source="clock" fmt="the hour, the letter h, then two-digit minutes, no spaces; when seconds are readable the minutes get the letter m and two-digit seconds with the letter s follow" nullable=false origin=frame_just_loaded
11h34
